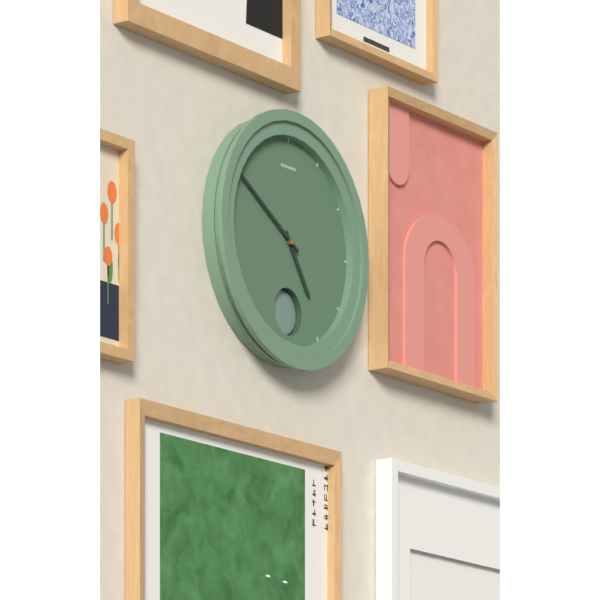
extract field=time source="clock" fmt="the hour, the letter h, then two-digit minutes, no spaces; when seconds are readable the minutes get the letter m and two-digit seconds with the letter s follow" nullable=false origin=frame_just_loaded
4h50
